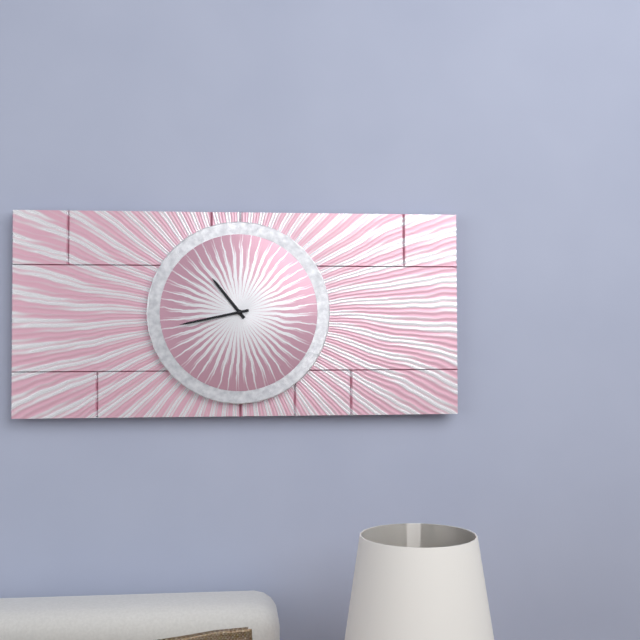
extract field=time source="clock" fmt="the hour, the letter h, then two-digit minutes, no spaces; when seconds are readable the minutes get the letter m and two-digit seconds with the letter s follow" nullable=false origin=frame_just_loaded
10h43
